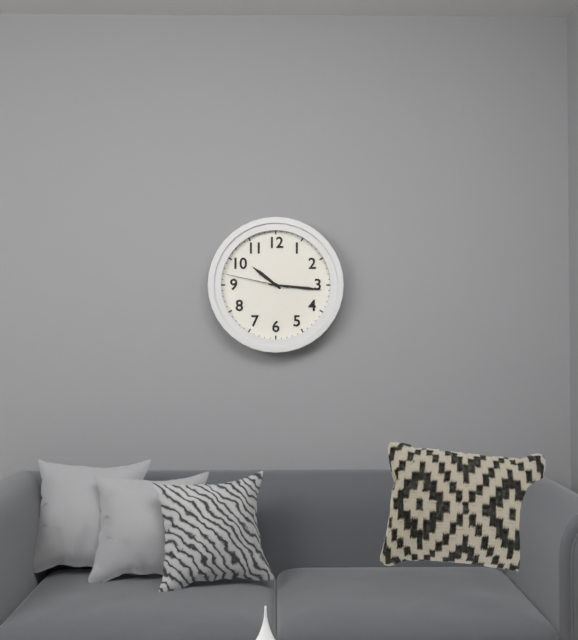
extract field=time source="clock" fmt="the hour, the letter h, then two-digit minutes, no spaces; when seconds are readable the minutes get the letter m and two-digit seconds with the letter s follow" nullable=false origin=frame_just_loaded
10h16m47s
